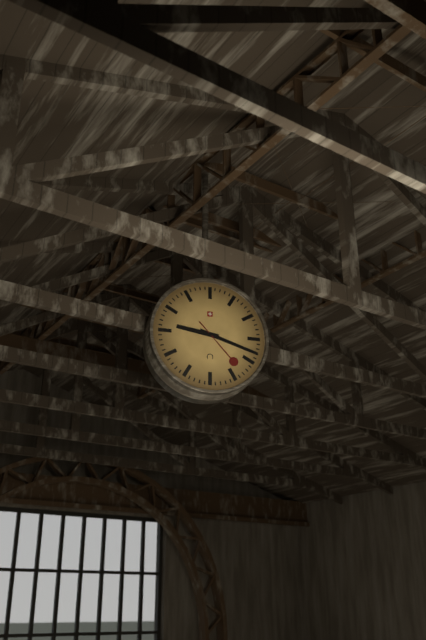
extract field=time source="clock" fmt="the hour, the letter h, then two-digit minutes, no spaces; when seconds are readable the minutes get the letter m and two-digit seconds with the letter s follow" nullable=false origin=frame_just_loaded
9h18m23s
